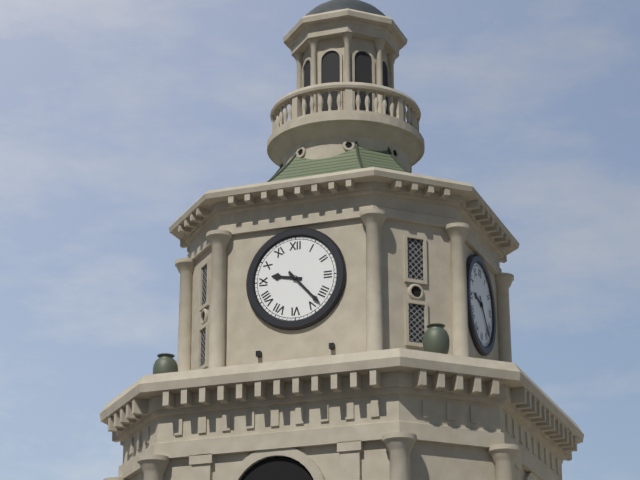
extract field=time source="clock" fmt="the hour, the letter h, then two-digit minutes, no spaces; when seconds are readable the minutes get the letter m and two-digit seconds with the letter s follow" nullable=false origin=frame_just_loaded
9h23
